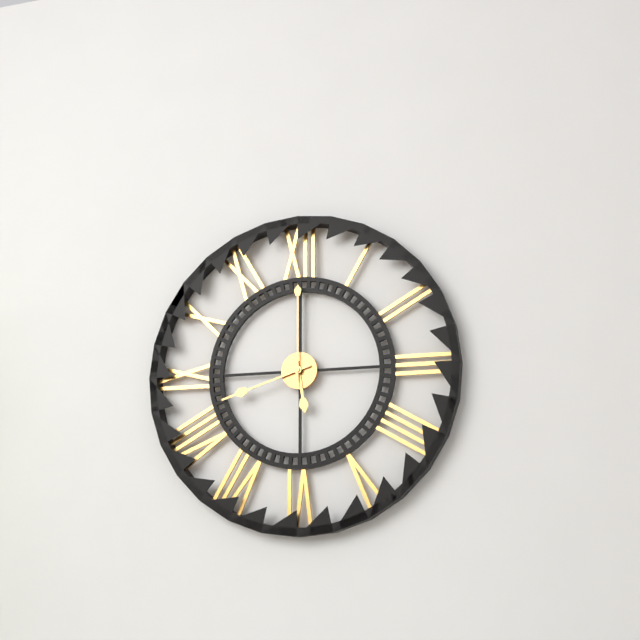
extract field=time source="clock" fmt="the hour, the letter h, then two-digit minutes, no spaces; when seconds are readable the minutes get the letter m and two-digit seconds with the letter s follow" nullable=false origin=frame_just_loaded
5h42m00s
